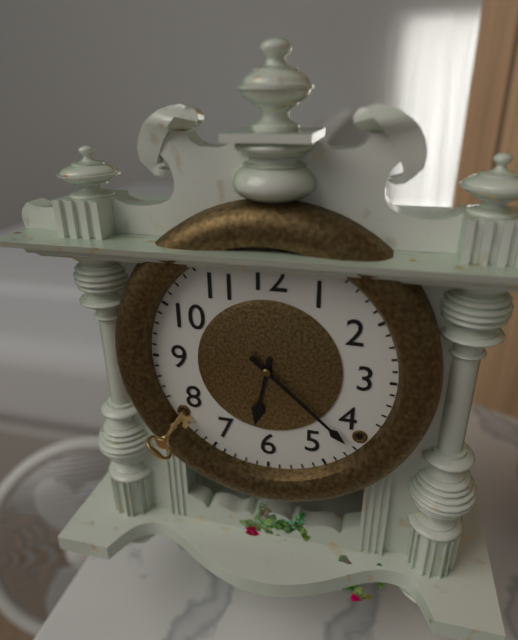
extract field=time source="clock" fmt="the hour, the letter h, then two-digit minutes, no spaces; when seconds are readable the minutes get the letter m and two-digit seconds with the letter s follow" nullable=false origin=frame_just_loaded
6h22
